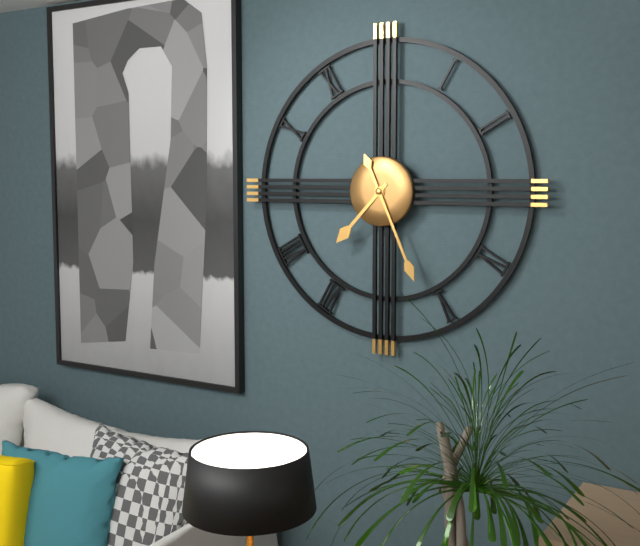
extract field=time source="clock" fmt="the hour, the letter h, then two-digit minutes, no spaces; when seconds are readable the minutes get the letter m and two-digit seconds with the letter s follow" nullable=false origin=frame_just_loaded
7h26
